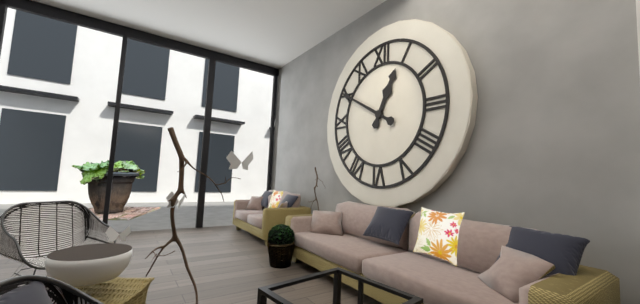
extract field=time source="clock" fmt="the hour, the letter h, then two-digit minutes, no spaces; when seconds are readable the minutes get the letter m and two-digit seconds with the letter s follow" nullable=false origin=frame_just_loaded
12h50
